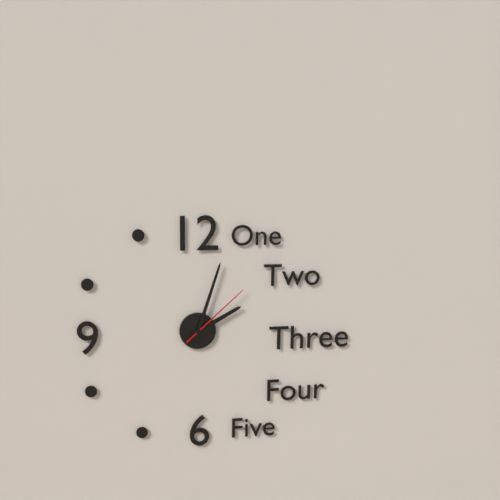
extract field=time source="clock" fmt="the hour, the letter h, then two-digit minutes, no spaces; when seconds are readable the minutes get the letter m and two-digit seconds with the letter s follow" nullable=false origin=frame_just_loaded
2h03m08s
